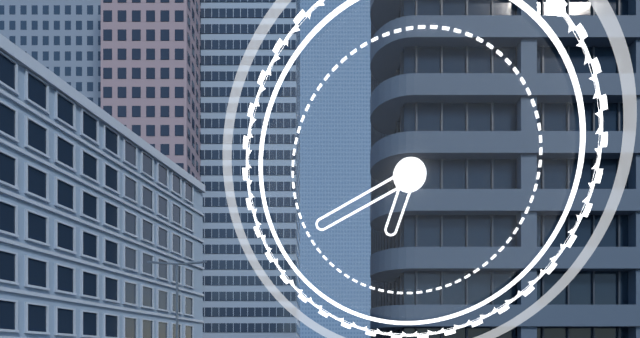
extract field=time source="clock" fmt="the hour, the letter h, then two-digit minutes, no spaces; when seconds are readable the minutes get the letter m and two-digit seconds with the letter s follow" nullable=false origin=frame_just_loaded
6h41
